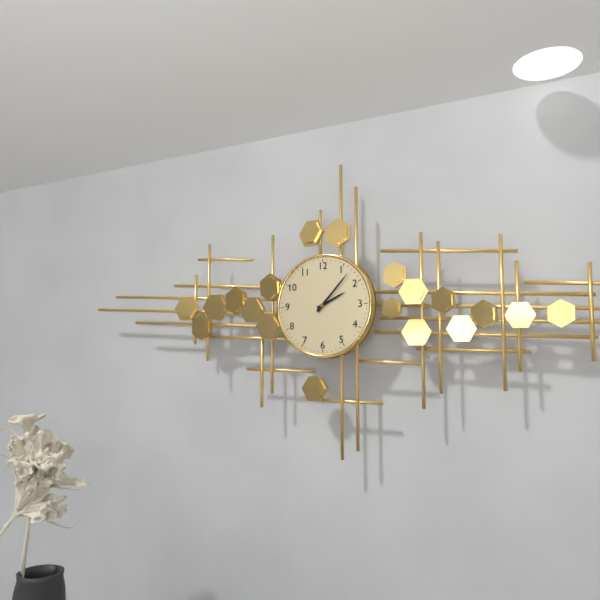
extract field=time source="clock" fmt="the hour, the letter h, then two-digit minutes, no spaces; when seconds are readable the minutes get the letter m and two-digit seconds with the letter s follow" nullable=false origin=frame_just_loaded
2h07
